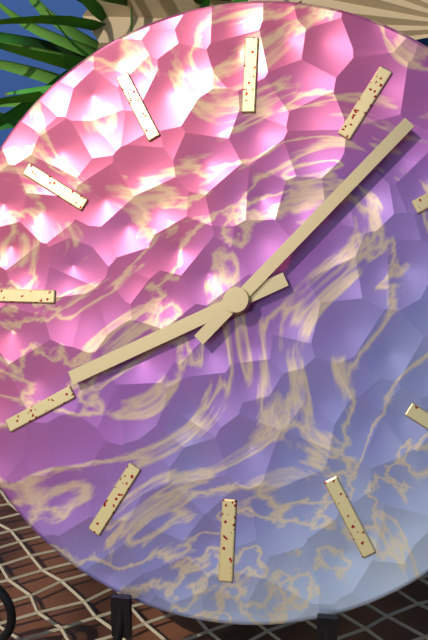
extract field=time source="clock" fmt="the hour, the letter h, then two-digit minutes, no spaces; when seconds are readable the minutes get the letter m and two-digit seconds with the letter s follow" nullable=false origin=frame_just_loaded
8h07
